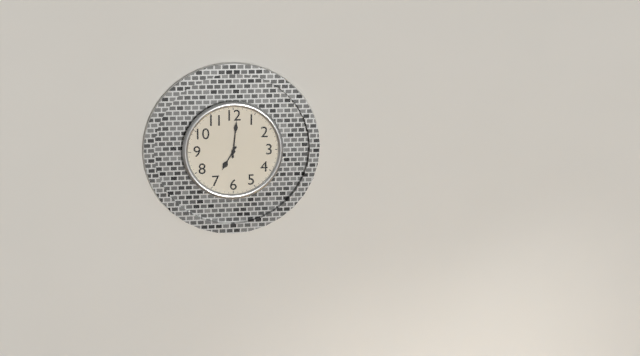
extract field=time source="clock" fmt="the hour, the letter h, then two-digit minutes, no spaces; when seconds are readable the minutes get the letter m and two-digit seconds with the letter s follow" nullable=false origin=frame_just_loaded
7h01
